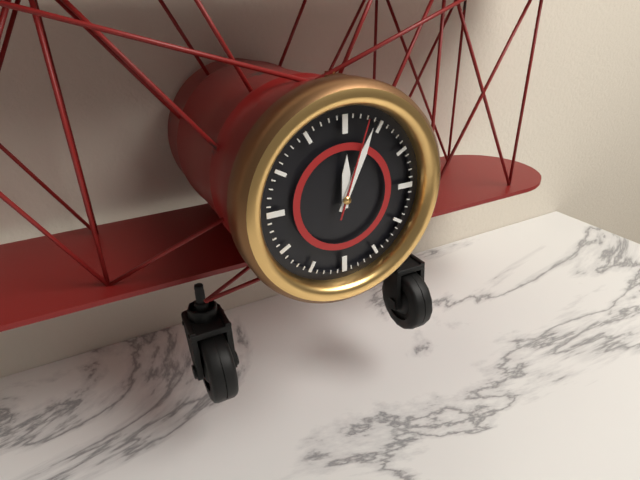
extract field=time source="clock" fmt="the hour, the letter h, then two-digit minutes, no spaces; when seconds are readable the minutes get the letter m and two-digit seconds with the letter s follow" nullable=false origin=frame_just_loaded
12h04m03s
